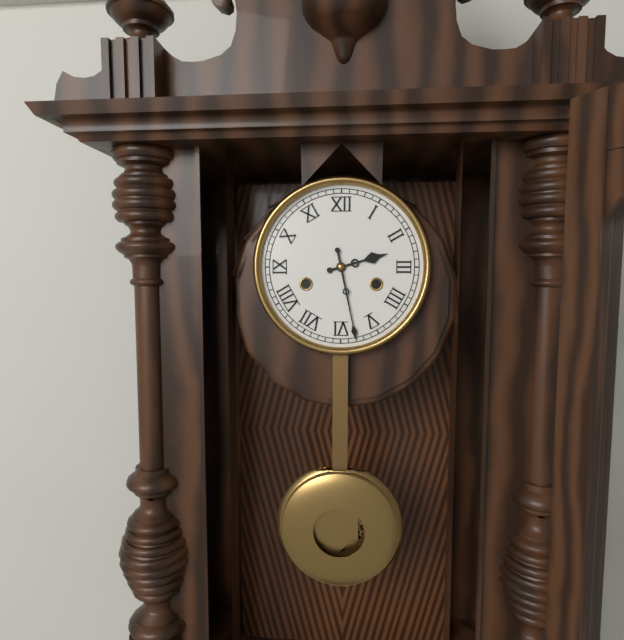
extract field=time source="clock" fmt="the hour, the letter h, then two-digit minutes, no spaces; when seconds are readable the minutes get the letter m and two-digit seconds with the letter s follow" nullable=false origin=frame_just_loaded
2h28
